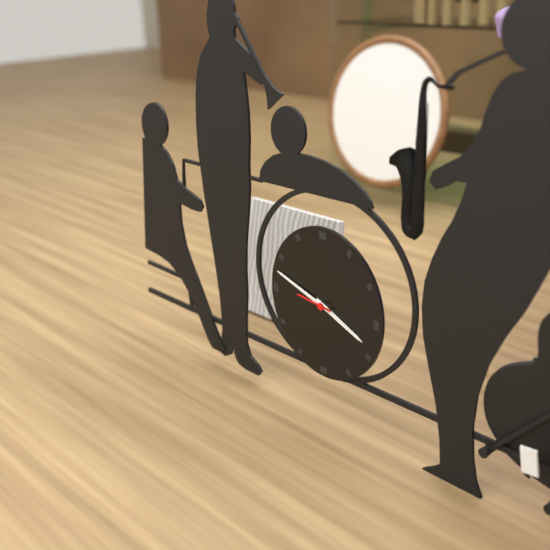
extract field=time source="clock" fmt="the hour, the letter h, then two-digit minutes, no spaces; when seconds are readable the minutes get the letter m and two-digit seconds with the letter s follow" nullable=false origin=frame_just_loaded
3h48
